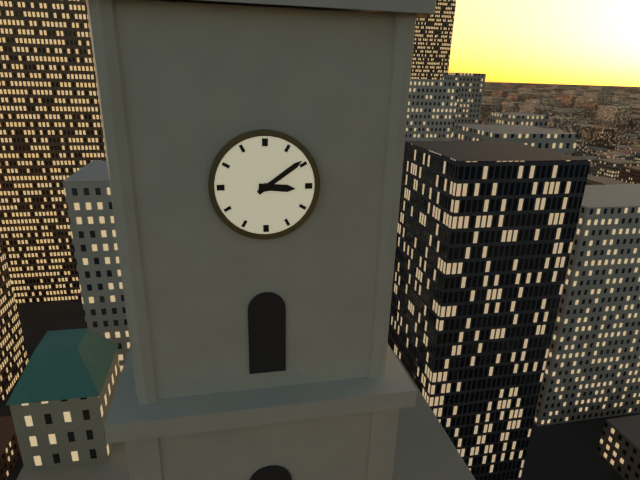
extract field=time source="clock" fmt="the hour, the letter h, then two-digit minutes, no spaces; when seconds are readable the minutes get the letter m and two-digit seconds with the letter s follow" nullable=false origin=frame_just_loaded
3h09
